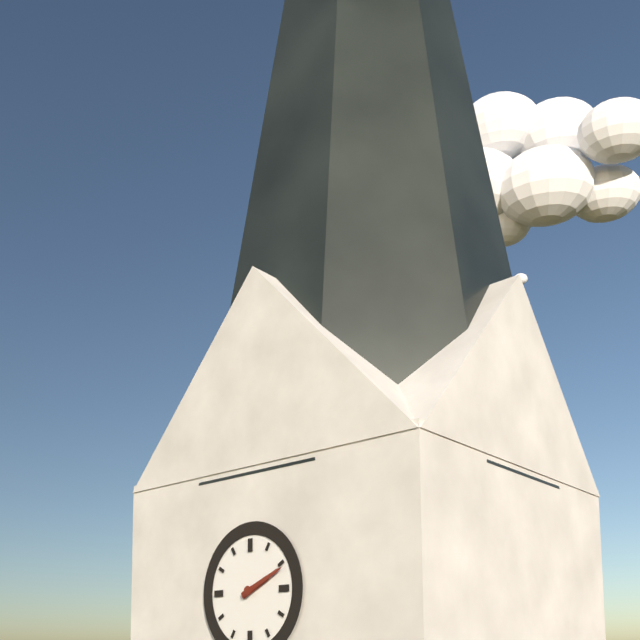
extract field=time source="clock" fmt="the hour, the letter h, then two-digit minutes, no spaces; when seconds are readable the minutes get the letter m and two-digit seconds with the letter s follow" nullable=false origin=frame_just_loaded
2h11
